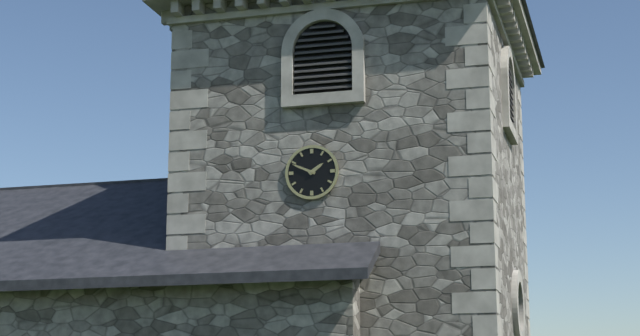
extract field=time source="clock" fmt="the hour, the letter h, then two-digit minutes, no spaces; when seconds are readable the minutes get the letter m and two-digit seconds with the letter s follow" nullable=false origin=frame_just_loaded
1h49
